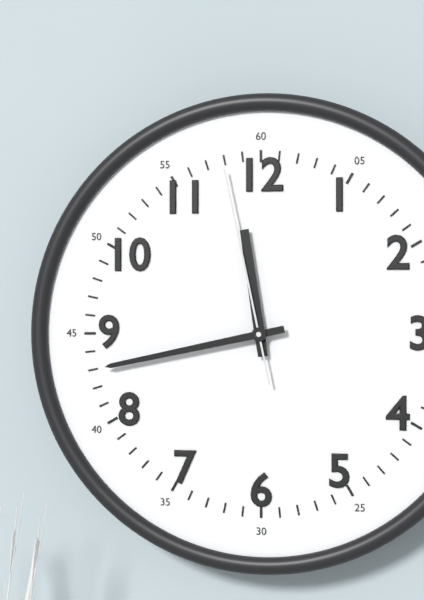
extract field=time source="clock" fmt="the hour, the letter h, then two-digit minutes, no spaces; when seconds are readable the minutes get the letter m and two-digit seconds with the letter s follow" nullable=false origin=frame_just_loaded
11h43m58s
